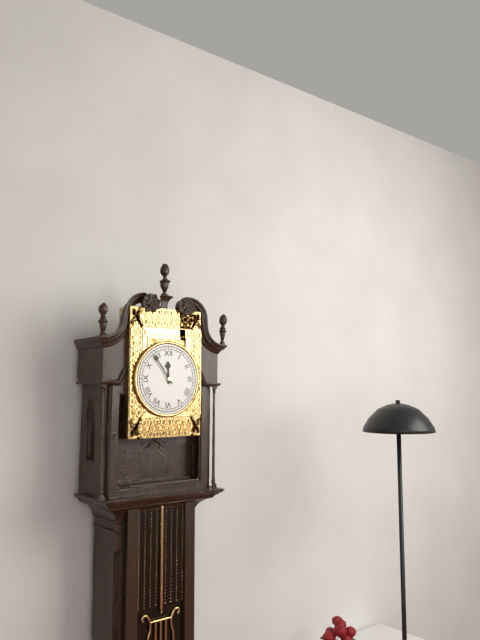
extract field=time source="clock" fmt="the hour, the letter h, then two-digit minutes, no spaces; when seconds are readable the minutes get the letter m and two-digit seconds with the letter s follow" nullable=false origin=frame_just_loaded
11h54
